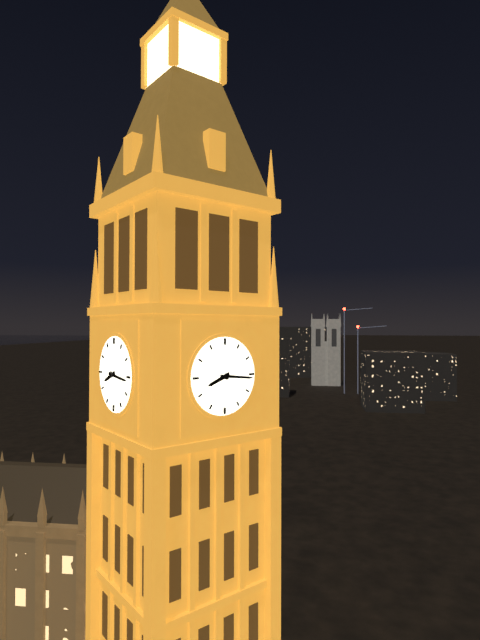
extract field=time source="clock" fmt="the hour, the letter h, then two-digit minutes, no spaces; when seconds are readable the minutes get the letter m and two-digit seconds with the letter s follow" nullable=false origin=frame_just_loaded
8h16
